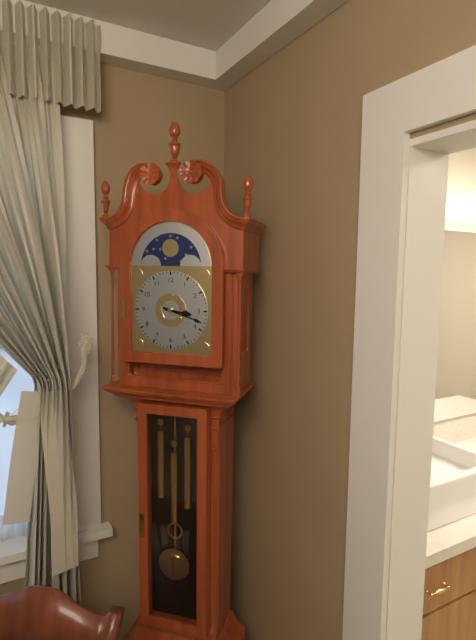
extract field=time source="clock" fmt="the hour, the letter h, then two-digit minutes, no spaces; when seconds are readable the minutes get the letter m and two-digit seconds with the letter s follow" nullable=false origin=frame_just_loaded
3h18
